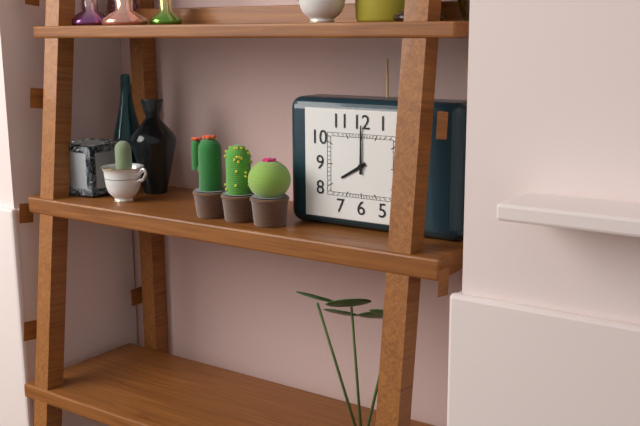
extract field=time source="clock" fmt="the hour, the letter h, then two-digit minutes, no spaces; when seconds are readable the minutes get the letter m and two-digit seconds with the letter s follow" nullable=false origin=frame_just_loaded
8h00
